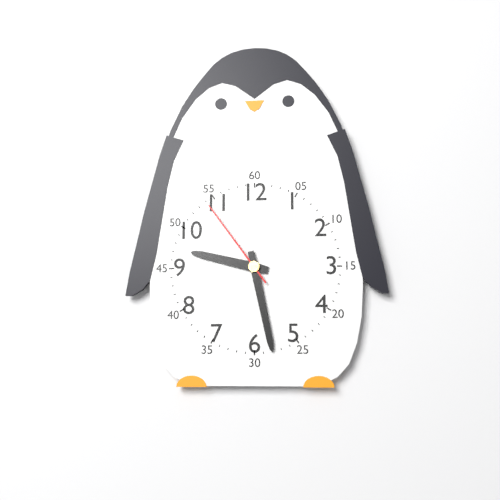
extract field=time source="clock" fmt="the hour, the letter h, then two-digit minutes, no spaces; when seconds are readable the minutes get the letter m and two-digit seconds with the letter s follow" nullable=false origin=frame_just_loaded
9h28m54s
